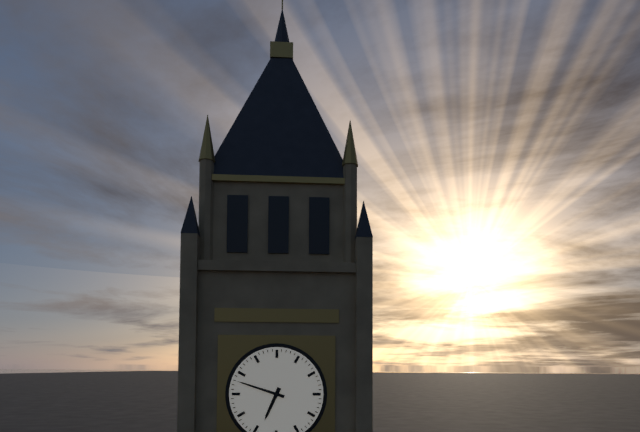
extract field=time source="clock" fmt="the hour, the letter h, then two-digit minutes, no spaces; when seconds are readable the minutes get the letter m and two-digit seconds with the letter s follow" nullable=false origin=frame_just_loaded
6h48
